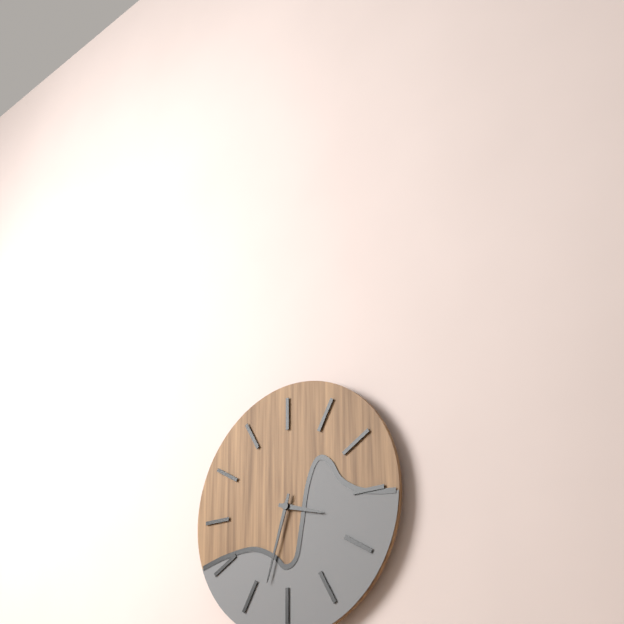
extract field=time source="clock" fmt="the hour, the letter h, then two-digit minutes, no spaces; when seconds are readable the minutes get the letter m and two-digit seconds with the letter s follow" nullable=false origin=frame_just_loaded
3h33
